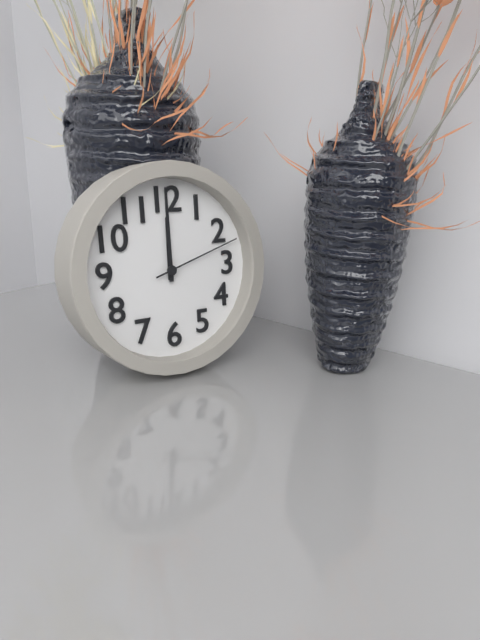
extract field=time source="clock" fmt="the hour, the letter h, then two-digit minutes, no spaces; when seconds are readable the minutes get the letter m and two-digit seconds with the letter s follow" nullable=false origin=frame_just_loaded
12h00m12s
